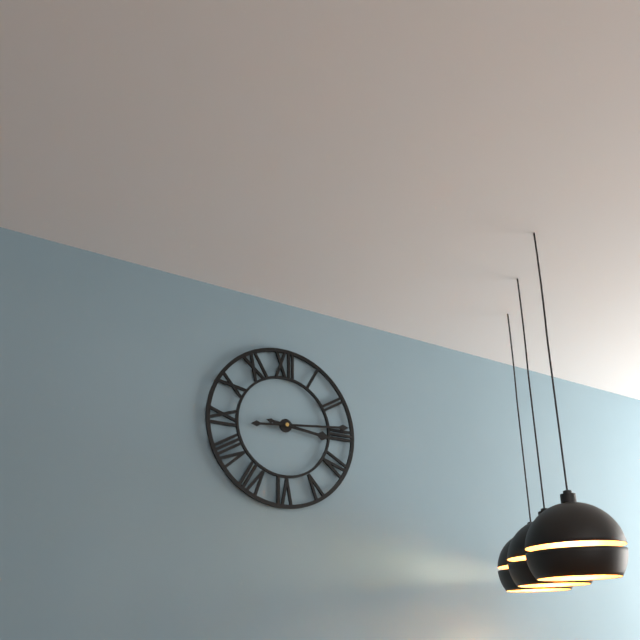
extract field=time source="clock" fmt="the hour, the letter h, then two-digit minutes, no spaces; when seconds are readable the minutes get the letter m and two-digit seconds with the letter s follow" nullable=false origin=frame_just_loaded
3h14
